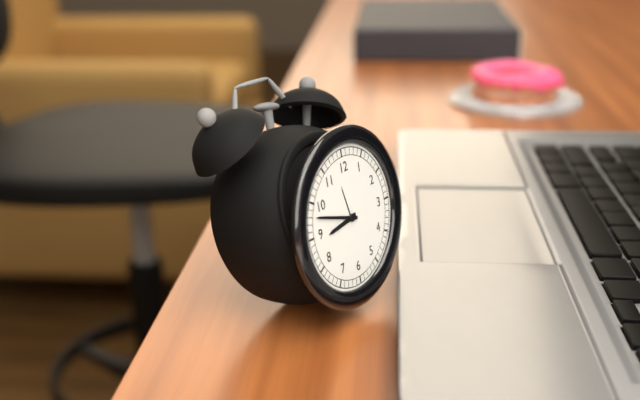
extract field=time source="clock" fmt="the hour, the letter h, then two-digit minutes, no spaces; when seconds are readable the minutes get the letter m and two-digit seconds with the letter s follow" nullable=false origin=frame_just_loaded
8h48
